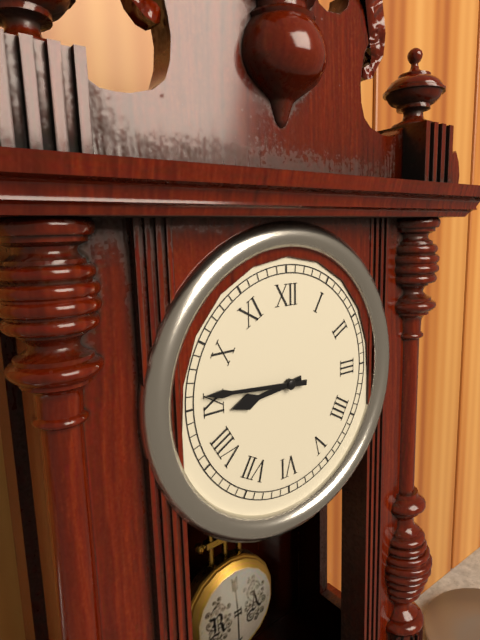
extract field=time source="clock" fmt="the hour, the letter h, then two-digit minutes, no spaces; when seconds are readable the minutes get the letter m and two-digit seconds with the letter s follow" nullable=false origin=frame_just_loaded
8h46
